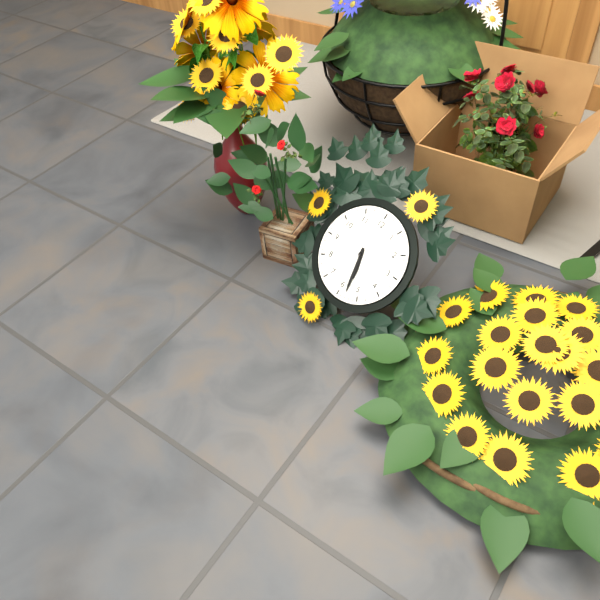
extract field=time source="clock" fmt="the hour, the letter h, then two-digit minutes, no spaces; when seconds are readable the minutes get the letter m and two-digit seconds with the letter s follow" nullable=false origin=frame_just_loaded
5h28
